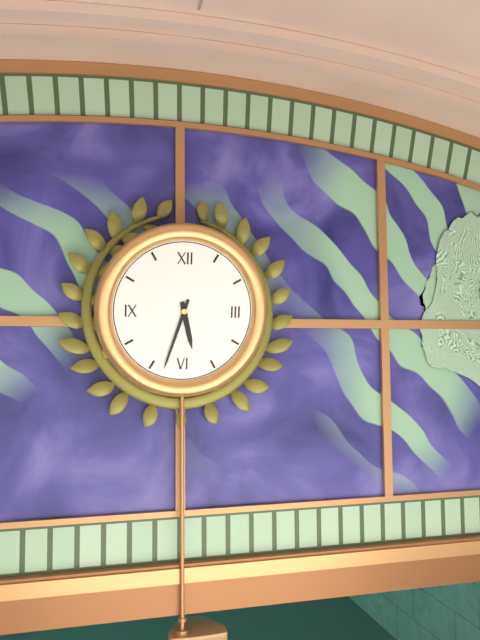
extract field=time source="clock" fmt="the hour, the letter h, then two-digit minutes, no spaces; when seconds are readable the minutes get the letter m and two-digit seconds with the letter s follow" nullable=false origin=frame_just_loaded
5h33
